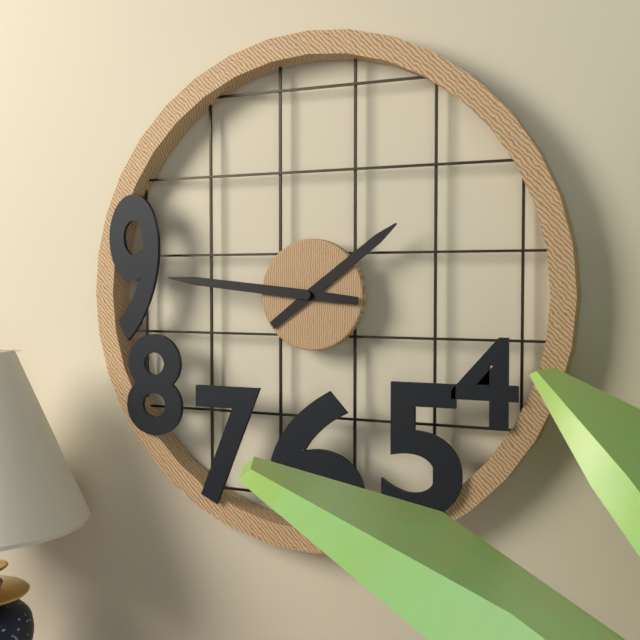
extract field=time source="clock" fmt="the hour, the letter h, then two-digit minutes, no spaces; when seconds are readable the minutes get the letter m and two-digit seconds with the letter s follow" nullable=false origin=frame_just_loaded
1h46
